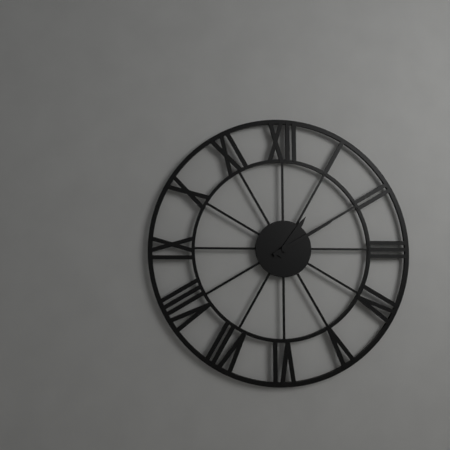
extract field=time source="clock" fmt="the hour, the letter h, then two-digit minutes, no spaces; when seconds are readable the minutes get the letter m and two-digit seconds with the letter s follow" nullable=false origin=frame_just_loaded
1h10
